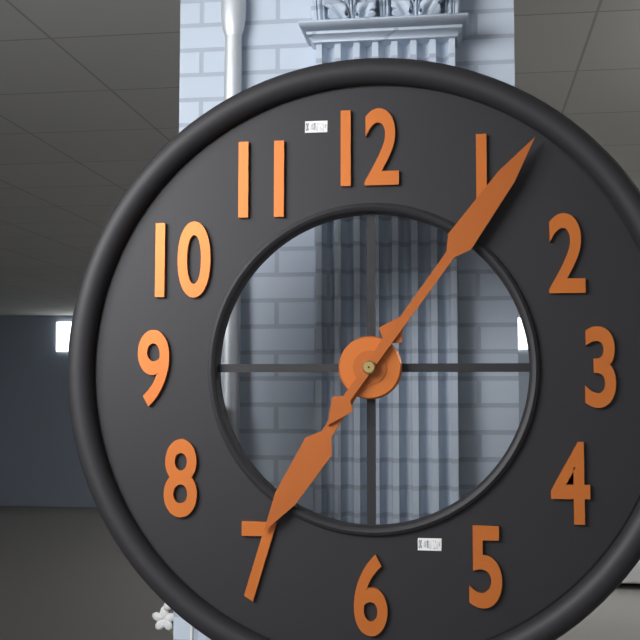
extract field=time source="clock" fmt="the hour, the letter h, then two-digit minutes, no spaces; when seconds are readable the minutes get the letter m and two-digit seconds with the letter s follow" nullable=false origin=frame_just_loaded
7h06
